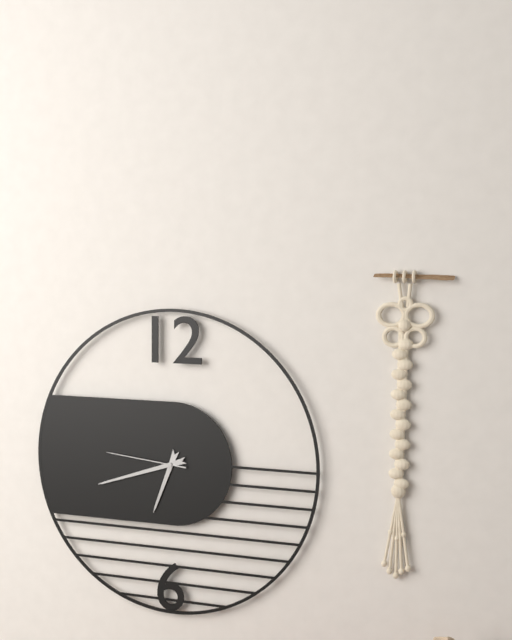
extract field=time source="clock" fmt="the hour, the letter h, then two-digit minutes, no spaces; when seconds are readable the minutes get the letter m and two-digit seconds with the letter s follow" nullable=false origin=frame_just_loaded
6h42m46s
